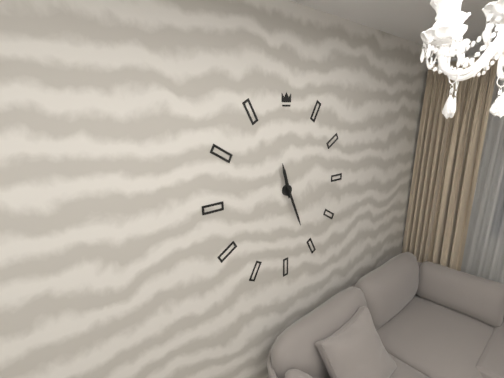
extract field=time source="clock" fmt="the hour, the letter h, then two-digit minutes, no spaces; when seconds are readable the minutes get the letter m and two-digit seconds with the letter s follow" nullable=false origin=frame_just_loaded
11h26
